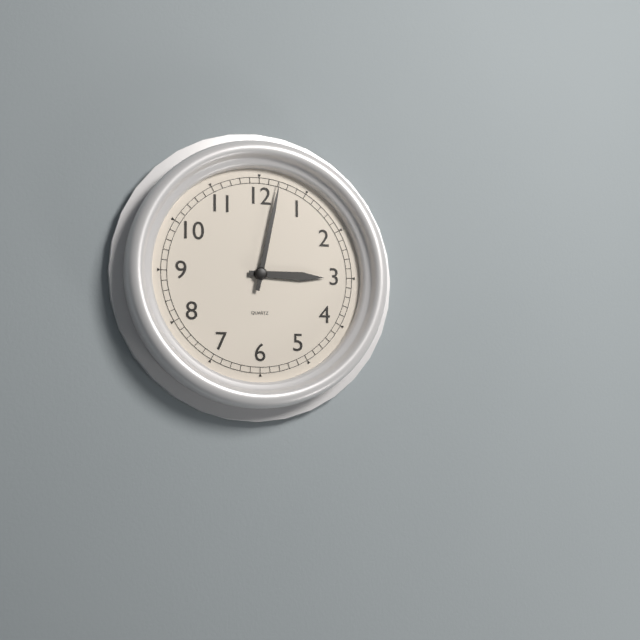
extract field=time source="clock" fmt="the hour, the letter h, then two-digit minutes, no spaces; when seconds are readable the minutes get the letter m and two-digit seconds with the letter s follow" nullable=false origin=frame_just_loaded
3h02
